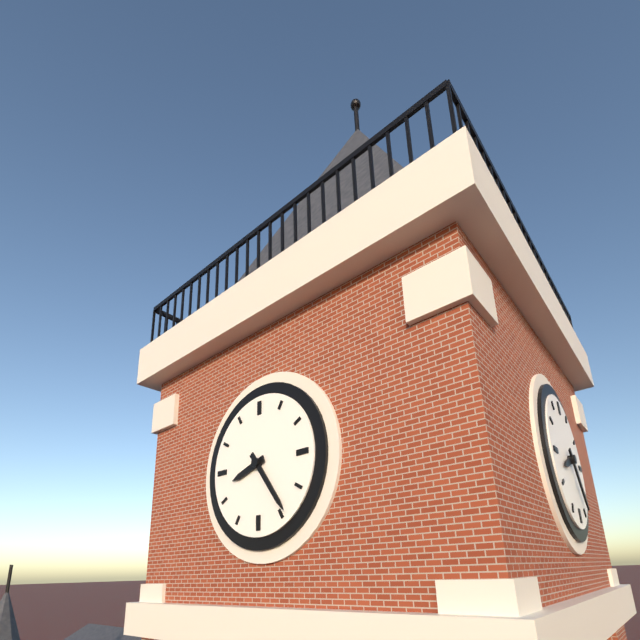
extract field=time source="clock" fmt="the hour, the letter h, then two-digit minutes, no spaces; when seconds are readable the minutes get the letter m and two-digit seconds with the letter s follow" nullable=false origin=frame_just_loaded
8h24
